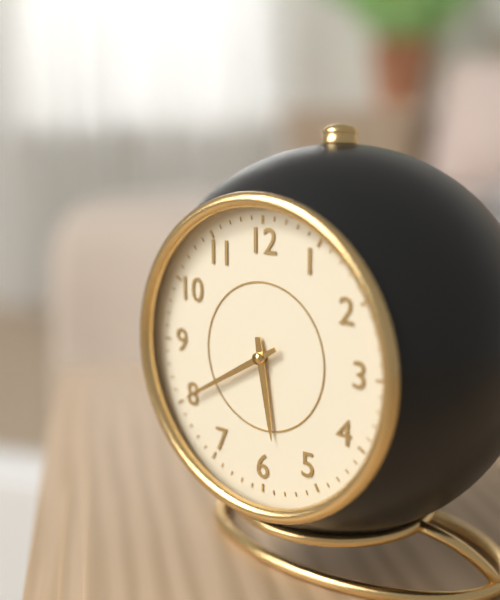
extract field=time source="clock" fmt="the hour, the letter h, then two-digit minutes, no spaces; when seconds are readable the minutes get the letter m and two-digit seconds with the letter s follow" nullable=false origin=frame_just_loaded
5h40
